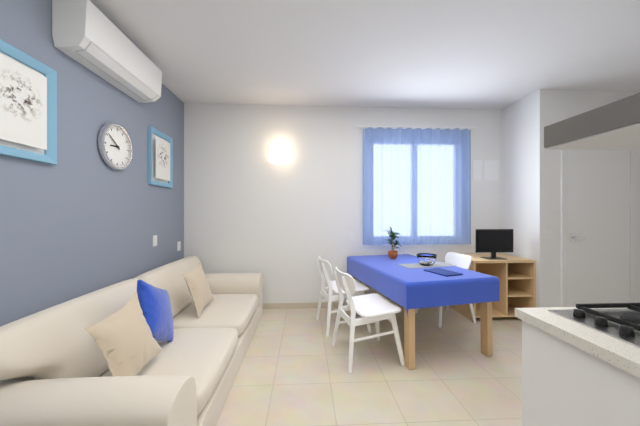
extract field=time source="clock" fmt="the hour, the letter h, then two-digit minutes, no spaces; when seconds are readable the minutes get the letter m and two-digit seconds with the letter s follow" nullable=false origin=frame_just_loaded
8h51
